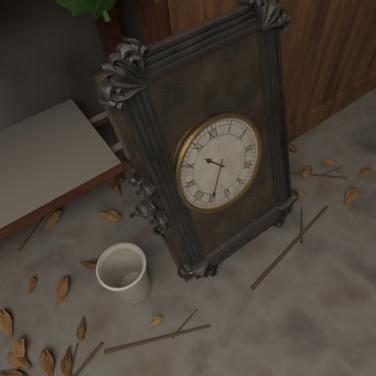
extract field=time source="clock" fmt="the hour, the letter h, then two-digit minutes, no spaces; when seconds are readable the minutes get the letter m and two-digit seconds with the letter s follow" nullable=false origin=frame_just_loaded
10h35
